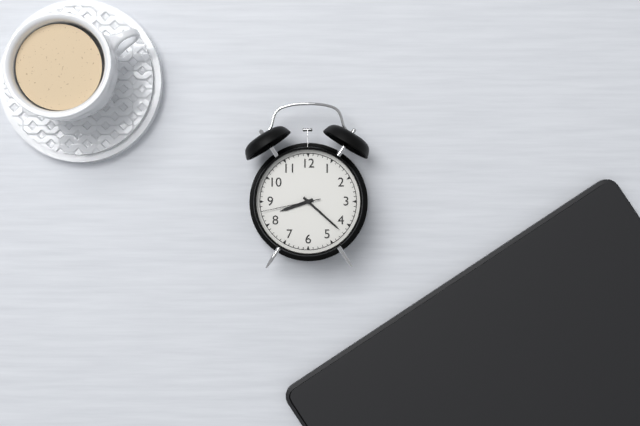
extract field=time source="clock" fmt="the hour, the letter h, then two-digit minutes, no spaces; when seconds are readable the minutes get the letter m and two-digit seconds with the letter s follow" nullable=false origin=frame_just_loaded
8h22m43s
